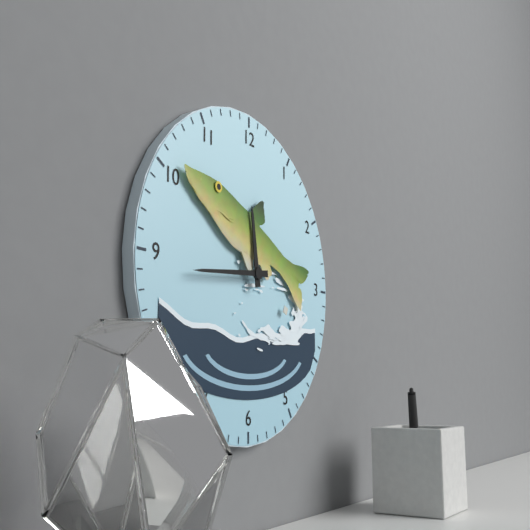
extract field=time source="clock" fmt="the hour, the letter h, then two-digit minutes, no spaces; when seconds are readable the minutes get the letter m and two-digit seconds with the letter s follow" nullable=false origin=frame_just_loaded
11h44
